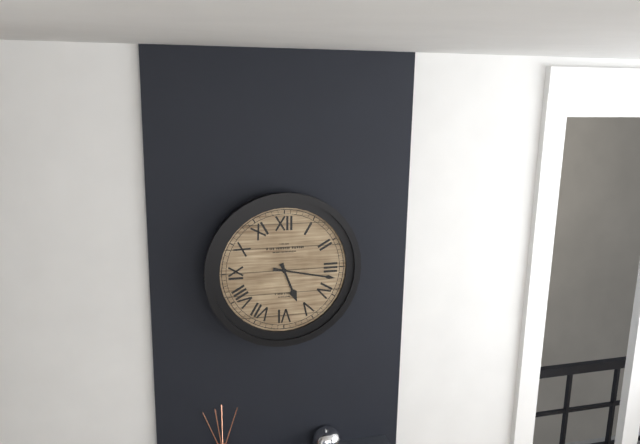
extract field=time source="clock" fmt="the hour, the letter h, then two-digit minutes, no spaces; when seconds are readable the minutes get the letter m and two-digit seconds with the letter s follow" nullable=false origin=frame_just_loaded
5h17
